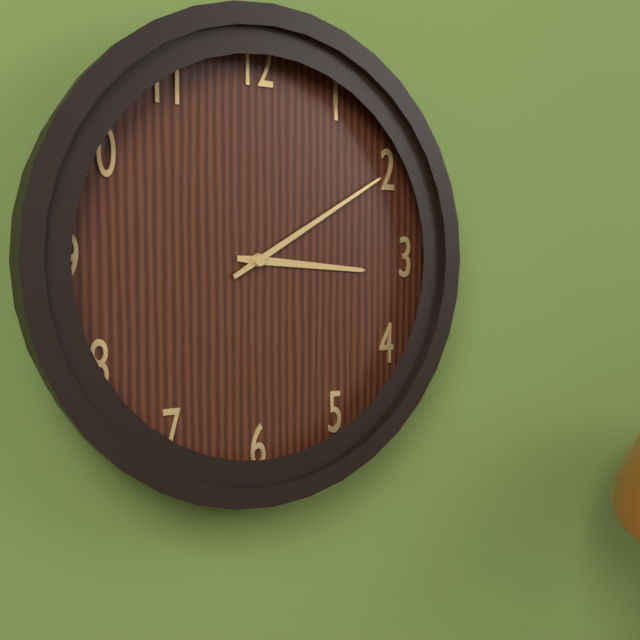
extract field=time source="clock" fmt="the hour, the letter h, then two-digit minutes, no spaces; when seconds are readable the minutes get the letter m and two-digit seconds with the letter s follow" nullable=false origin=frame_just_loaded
3h10
